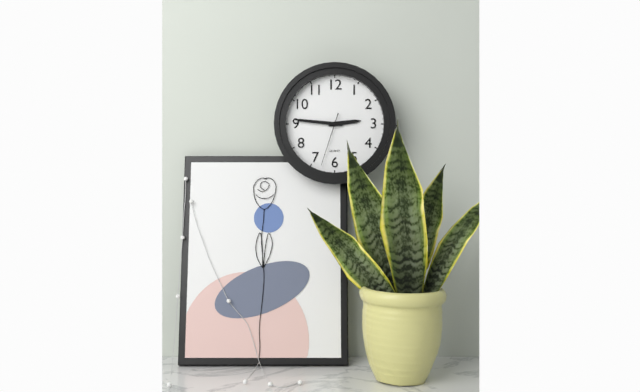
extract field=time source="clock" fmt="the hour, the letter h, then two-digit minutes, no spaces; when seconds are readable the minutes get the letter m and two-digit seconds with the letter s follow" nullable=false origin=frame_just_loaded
2h46m33s
